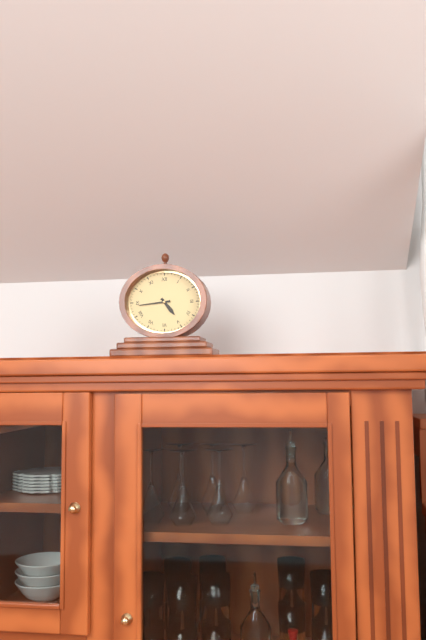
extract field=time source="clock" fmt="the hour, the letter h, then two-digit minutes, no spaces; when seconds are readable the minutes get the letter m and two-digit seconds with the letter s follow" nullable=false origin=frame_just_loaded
4h44
